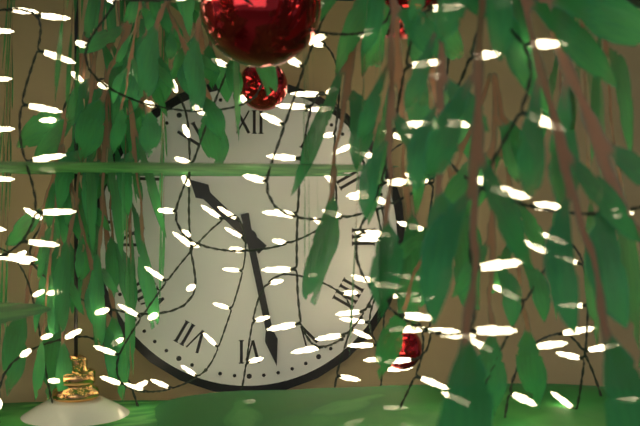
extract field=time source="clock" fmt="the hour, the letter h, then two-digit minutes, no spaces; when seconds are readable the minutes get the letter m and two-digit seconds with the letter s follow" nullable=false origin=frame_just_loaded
10h28
